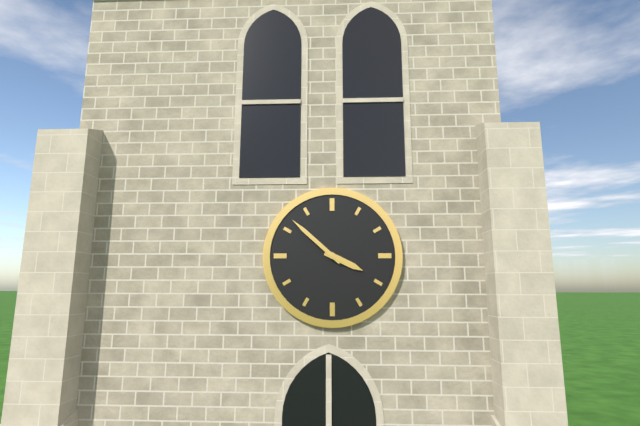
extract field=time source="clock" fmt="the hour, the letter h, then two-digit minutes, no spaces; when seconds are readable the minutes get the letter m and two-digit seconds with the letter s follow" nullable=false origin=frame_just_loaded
3h52
